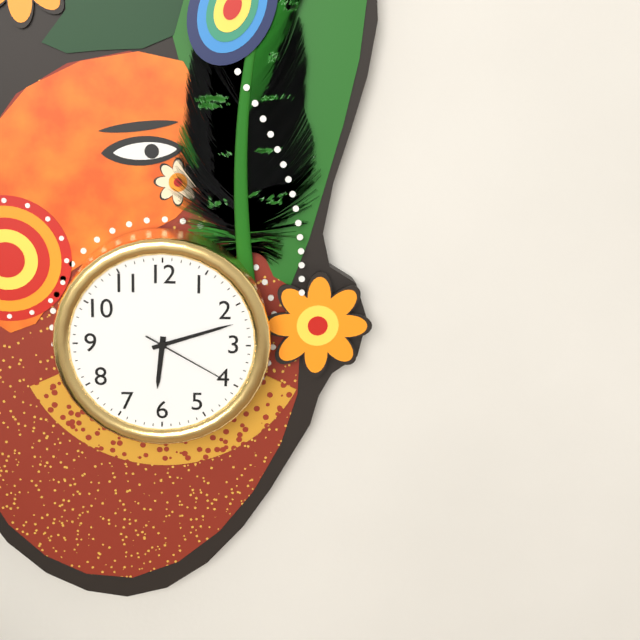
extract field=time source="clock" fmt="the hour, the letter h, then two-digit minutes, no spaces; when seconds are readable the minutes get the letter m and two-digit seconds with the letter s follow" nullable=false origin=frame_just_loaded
6h12m20s
